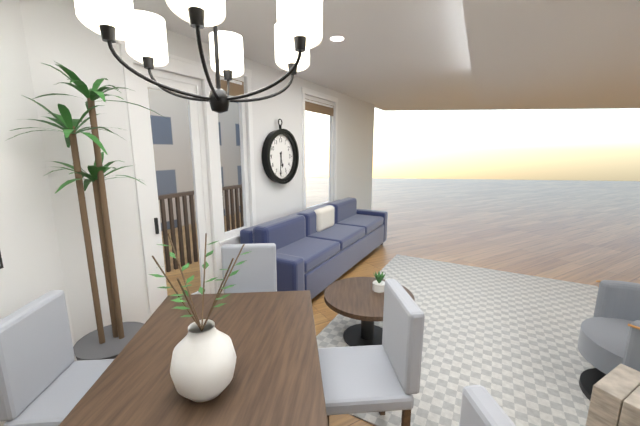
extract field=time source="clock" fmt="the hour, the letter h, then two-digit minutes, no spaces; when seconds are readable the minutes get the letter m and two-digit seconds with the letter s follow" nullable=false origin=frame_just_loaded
5h31
